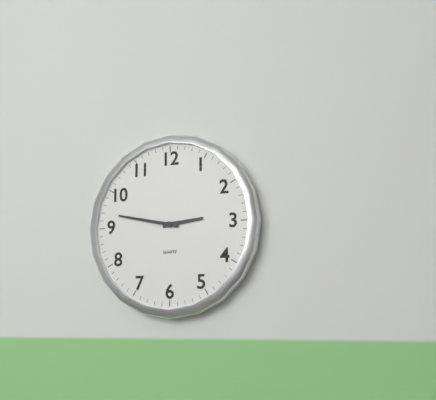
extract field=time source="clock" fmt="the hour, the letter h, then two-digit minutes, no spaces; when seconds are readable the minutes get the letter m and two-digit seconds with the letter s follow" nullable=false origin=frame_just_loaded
2h47
